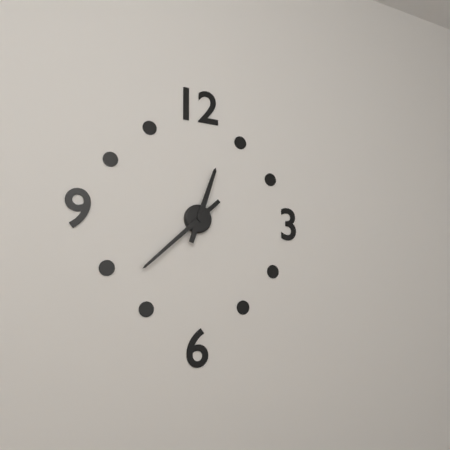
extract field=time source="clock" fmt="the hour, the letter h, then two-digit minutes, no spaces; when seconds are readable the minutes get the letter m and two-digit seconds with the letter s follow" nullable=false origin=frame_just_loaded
12h38
